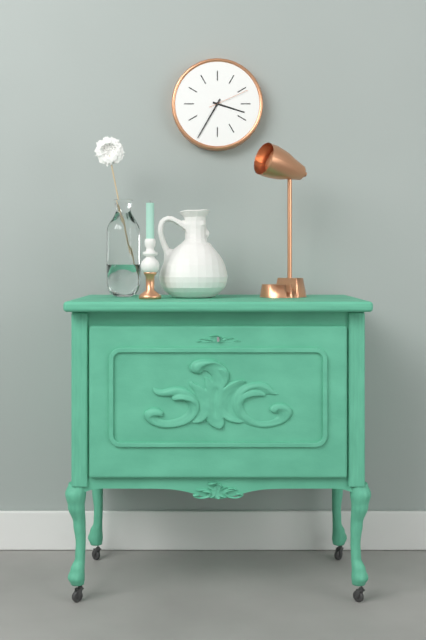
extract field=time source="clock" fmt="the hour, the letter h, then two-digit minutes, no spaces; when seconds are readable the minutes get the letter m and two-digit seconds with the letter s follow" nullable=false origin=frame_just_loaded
3h35
